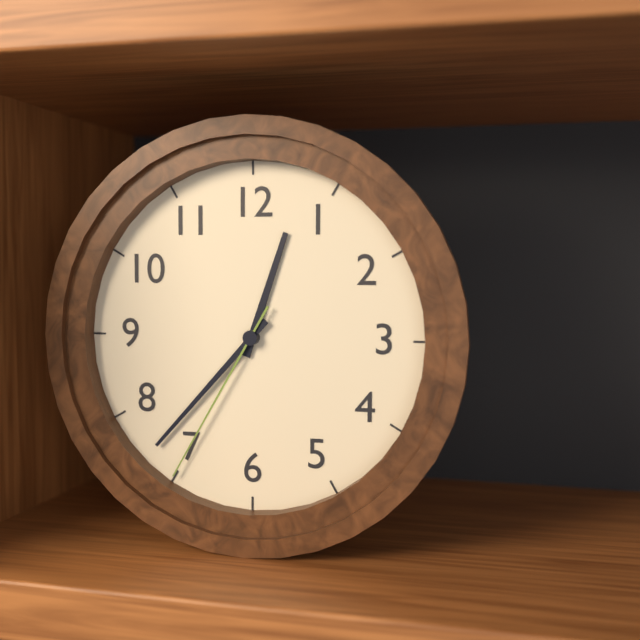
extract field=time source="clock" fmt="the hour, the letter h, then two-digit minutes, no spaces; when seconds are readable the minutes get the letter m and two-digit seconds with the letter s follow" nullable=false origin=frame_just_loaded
12h37m35s
